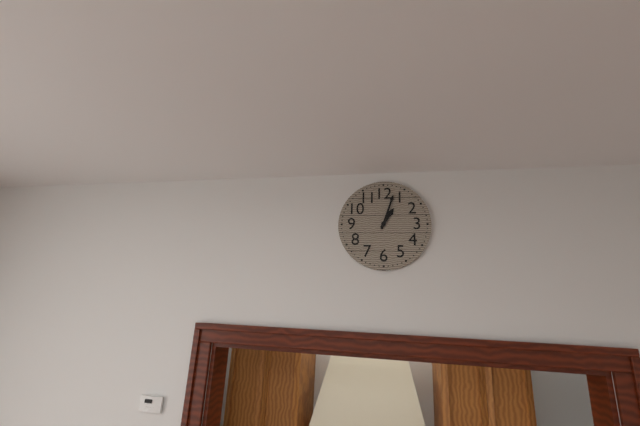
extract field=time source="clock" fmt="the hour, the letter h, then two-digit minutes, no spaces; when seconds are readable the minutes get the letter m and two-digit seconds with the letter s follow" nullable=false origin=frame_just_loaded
1h03
